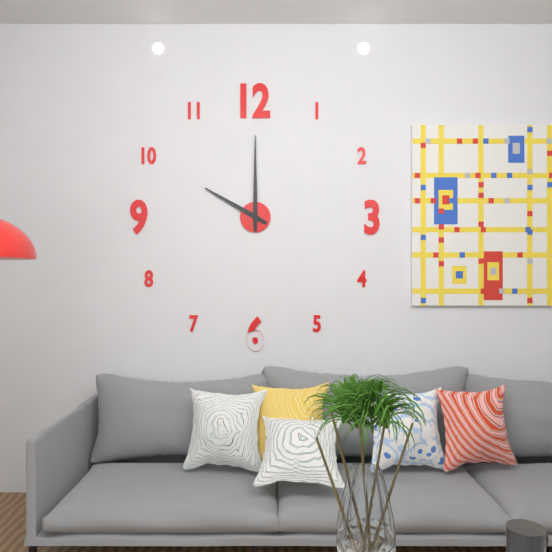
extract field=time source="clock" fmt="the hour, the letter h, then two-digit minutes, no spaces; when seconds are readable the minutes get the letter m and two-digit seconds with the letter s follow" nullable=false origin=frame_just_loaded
10h00
